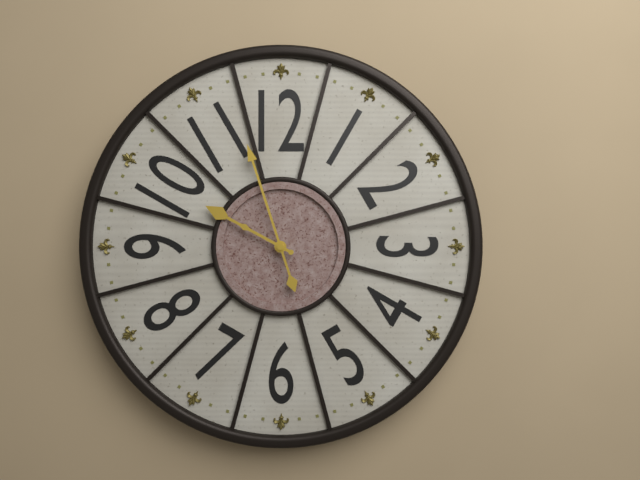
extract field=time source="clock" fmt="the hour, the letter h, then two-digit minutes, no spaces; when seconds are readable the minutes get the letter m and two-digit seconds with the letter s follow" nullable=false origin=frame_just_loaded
9h57
